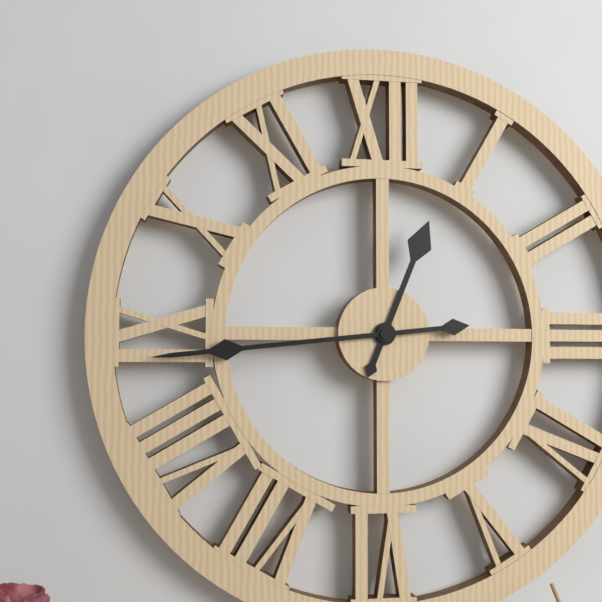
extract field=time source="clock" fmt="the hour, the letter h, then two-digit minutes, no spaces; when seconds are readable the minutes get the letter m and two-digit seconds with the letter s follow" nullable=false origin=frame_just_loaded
12h44
